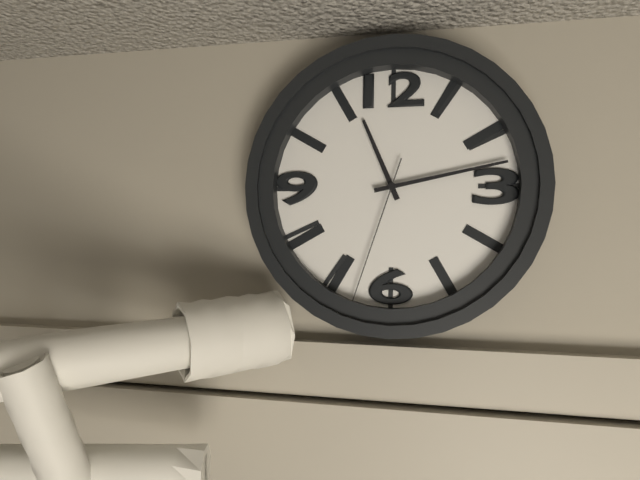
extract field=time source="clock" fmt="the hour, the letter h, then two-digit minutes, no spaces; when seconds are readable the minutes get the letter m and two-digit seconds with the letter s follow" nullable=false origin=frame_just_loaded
11h13m33s
